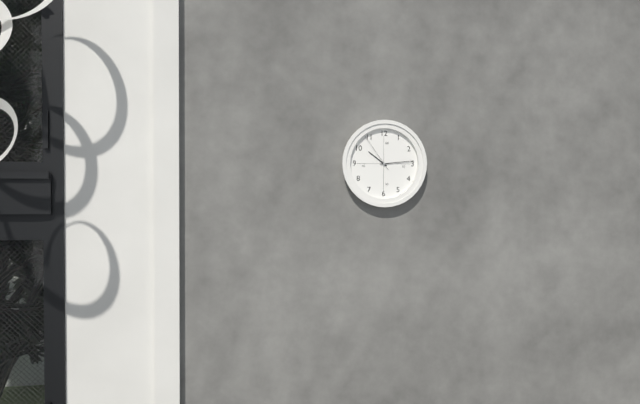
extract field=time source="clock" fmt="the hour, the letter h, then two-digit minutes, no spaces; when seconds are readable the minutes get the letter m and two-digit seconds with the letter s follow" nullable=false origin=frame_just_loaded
10h14
